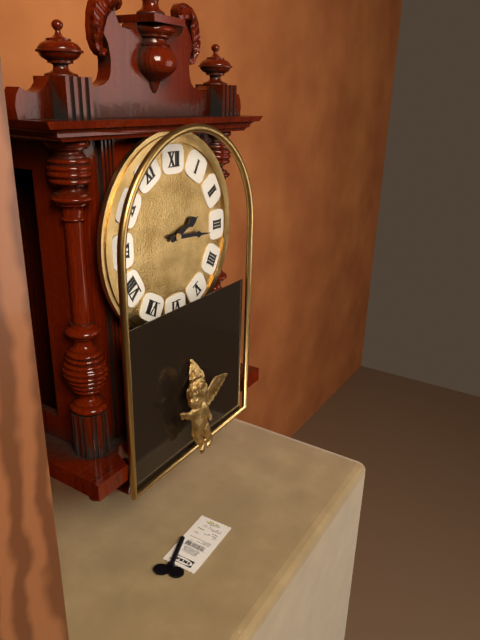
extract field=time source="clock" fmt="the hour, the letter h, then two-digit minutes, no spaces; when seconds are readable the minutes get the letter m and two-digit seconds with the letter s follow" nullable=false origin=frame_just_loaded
2h16
